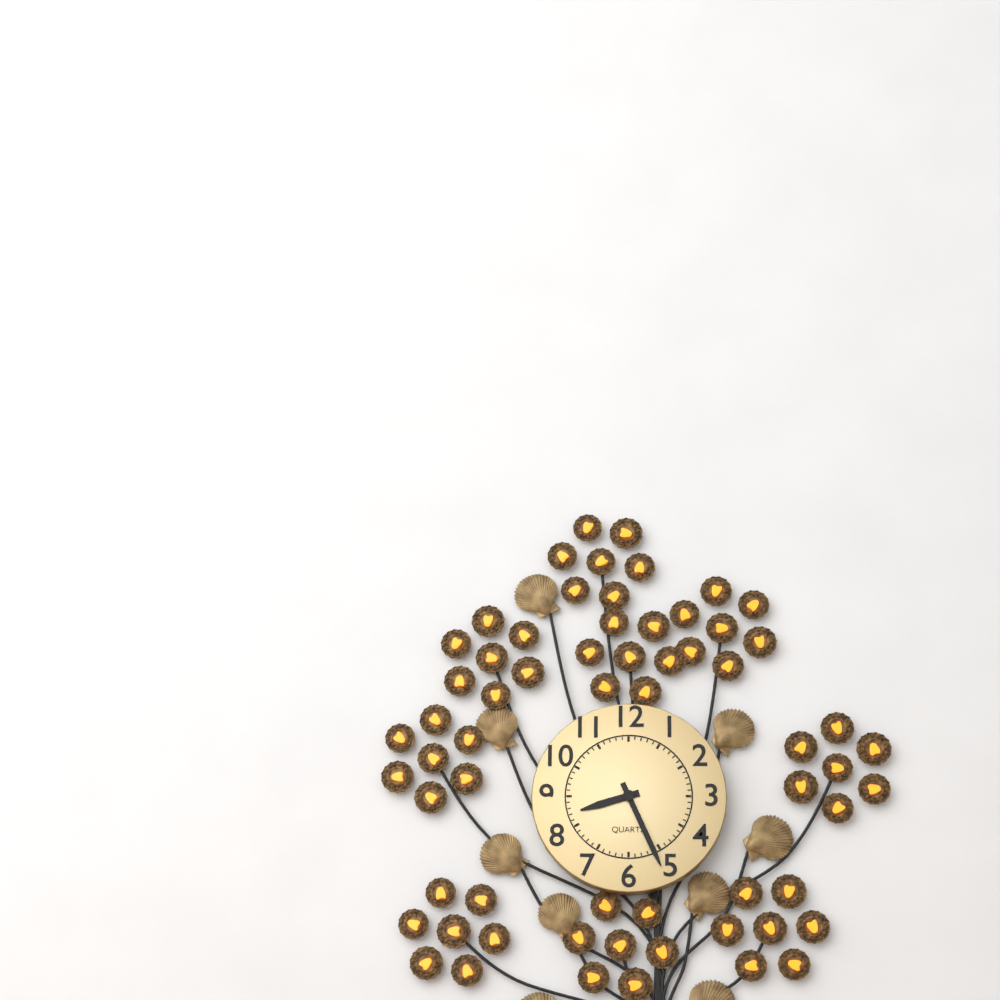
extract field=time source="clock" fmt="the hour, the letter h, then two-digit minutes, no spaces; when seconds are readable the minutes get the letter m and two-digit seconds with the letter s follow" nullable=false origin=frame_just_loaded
8h26
